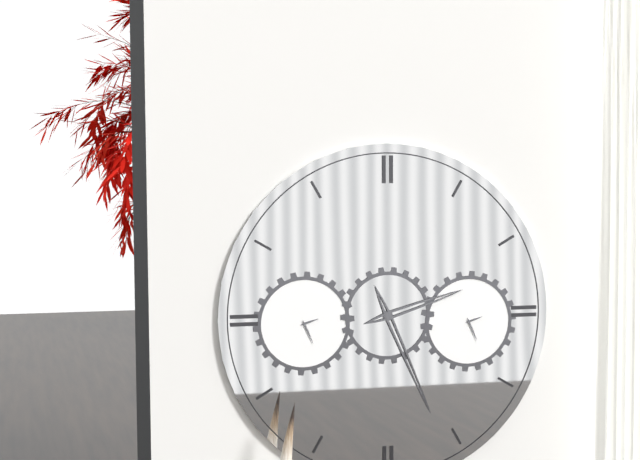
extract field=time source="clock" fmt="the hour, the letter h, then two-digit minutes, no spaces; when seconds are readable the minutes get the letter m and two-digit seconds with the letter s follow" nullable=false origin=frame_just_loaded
2h26
